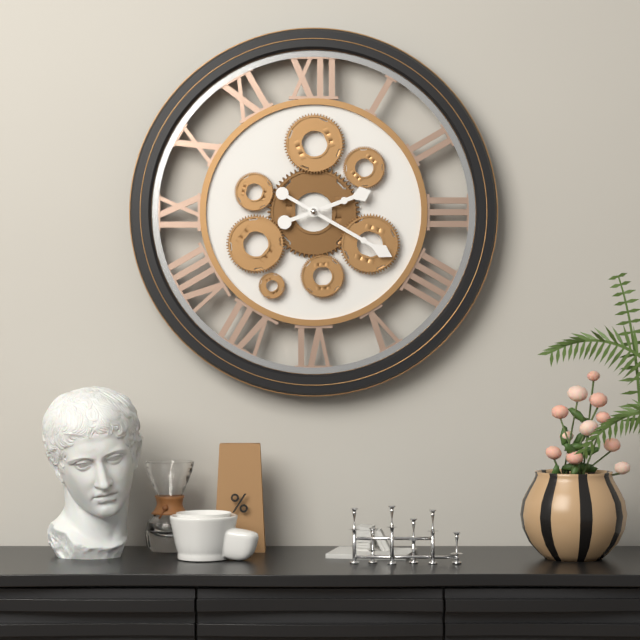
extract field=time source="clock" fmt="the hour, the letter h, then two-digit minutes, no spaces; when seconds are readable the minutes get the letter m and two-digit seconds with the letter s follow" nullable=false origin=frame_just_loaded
2h20
